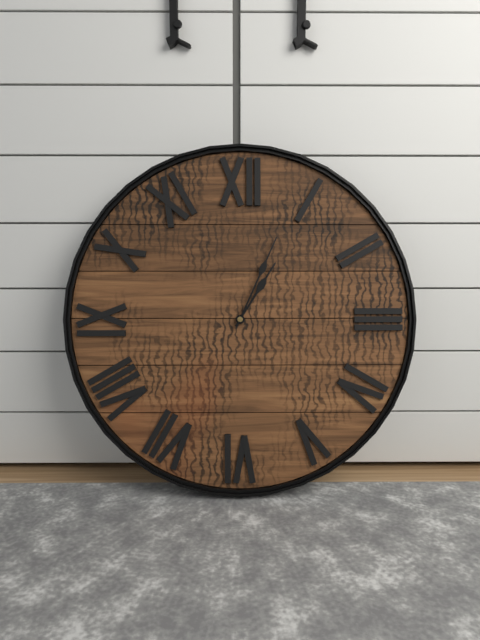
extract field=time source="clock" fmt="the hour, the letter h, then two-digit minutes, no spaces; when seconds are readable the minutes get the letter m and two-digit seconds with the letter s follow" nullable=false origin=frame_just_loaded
1h04
